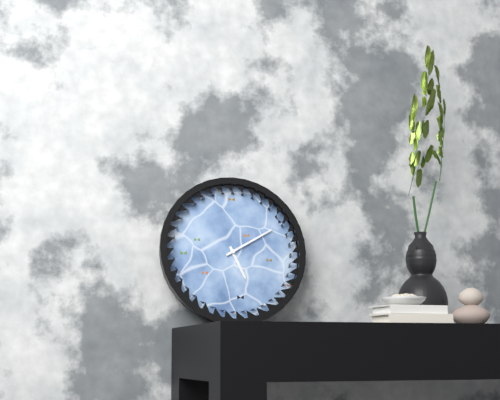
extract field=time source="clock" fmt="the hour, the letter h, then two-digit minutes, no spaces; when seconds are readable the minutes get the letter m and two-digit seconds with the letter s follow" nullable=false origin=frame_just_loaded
5h10
